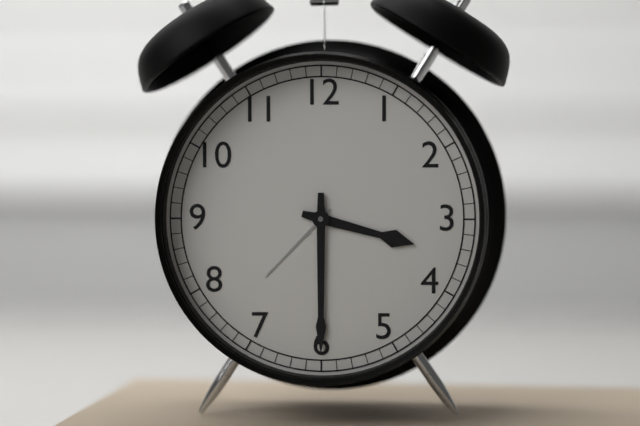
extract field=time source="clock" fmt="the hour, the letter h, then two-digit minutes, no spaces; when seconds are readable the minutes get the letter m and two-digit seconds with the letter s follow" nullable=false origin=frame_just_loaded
3h30
